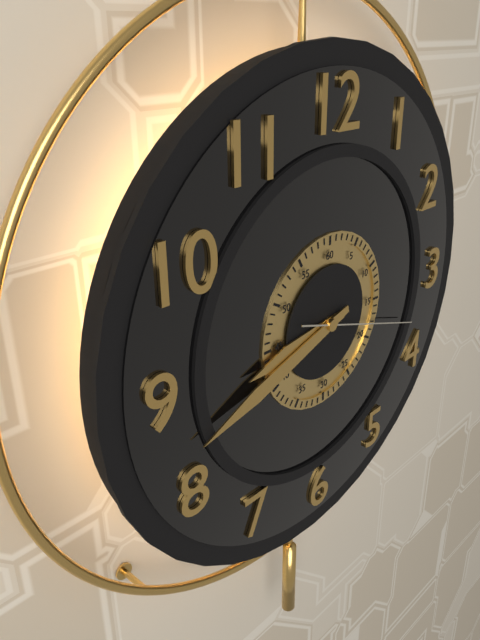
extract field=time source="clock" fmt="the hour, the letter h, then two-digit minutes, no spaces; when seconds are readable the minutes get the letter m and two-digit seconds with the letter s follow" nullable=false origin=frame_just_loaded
8h42m18s
